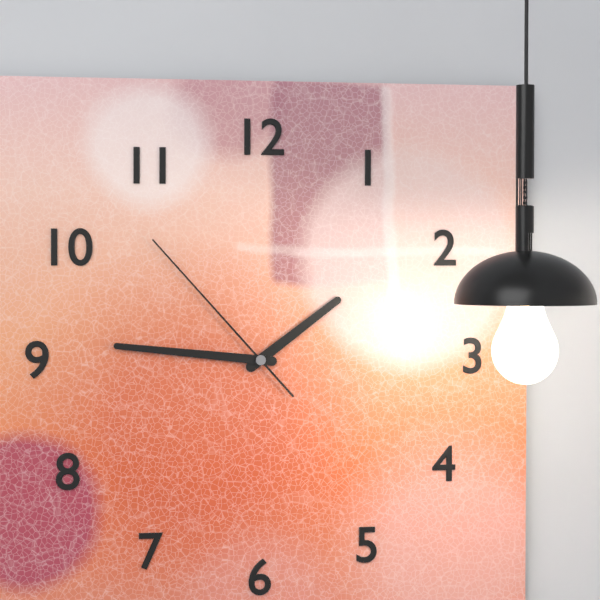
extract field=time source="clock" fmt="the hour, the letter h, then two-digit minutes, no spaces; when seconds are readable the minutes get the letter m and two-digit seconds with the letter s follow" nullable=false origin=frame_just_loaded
1h46m53s
